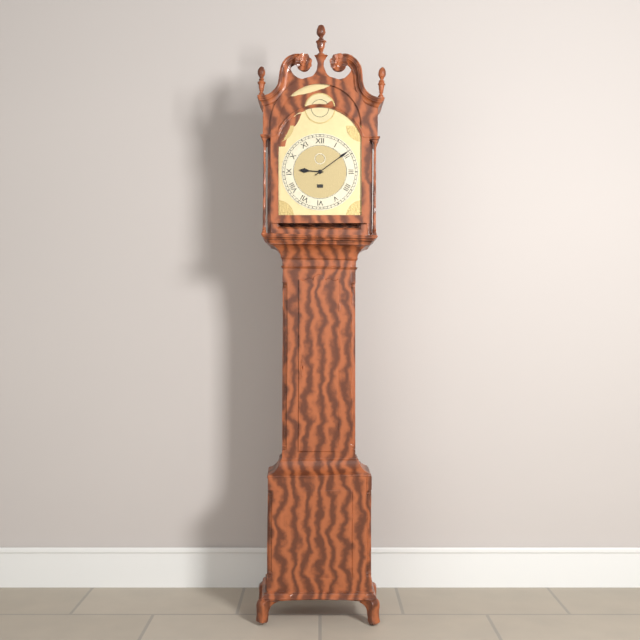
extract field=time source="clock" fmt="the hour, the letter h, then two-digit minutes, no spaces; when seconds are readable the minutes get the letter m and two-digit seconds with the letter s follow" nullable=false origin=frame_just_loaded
9h09
